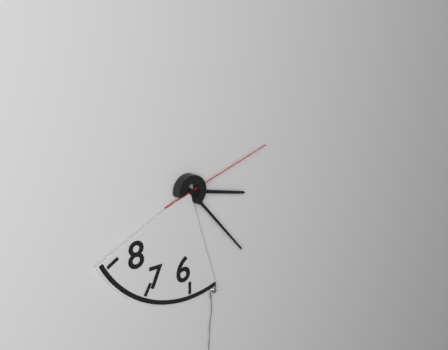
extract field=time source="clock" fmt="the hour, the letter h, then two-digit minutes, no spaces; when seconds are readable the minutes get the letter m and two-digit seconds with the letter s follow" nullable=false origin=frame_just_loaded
3h23m12s
